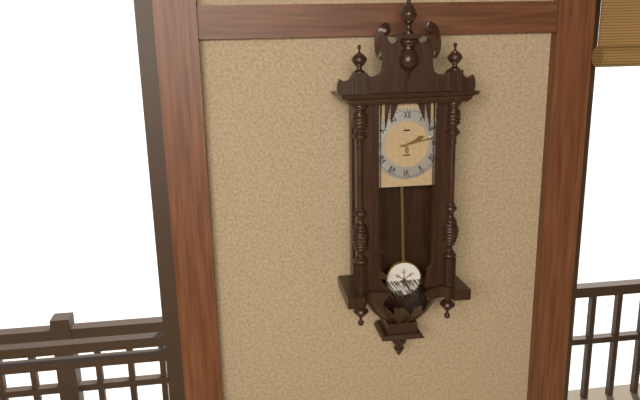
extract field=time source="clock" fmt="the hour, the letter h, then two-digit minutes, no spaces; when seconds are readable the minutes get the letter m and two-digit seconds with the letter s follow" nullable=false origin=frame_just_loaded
2h13
